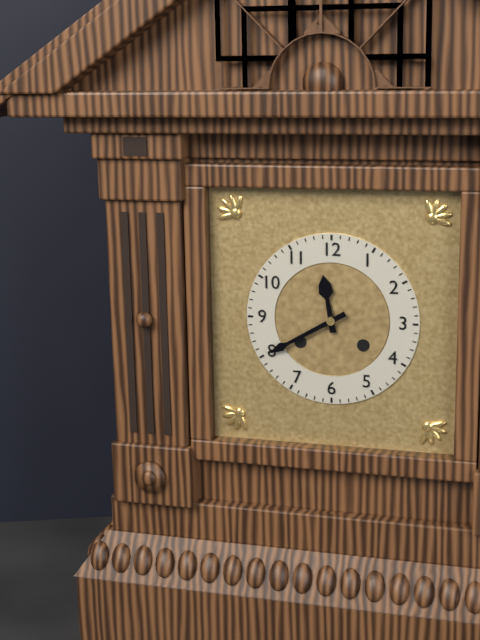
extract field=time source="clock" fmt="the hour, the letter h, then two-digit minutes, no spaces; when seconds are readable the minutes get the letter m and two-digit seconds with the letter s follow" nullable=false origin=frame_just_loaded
11h40
